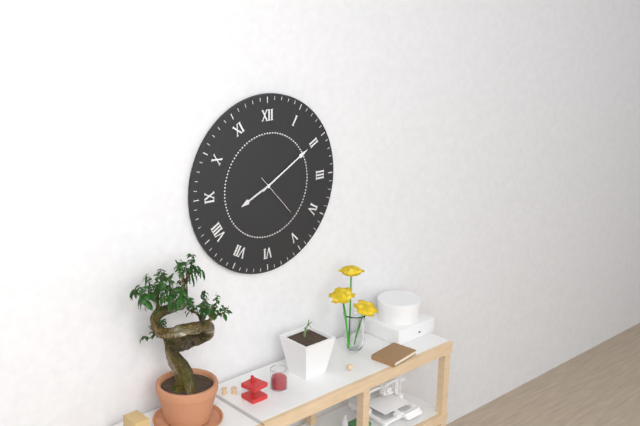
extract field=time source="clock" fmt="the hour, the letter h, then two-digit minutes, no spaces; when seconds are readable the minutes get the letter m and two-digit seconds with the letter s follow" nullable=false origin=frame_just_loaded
8h10
